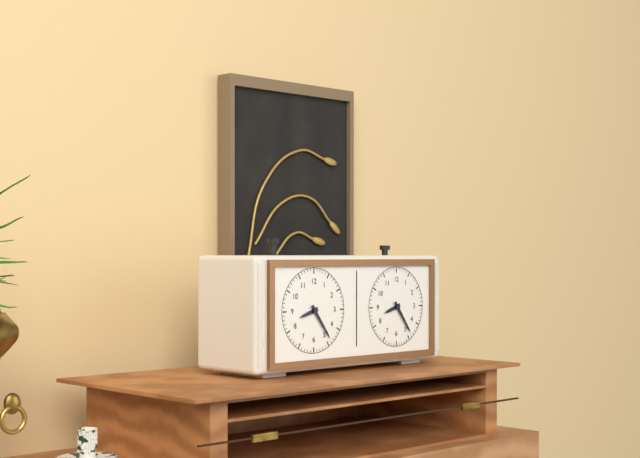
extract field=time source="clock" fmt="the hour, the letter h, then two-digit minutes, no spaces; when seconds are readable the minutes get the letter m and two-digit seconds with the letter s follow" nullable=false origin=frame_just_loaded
8h24
